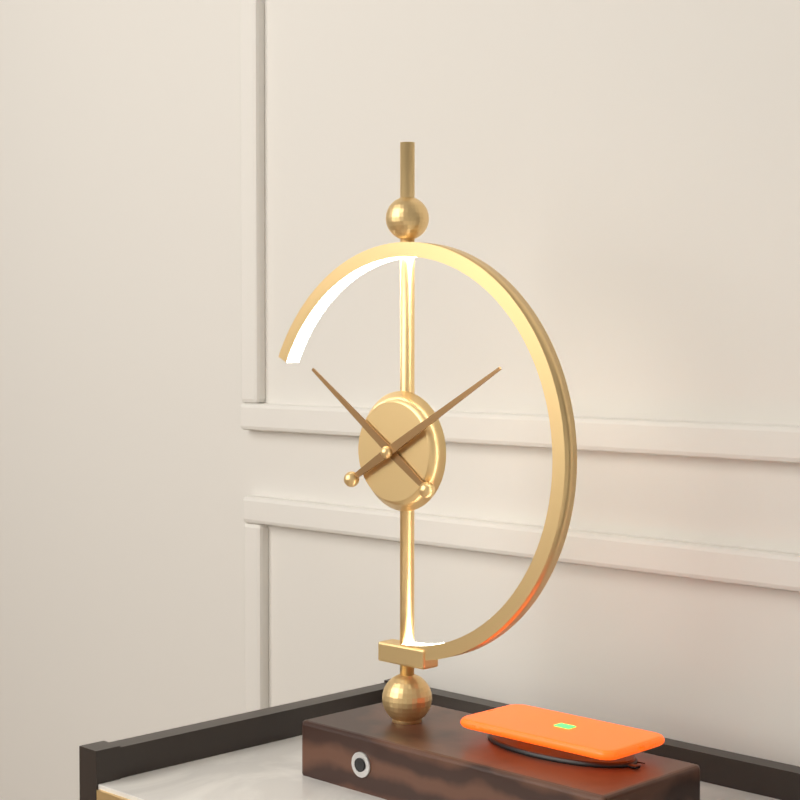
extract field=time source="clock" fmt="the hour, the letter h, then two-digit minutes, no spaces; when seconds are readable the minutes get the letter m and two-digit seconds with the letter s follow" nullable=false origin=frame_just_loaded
10h10
